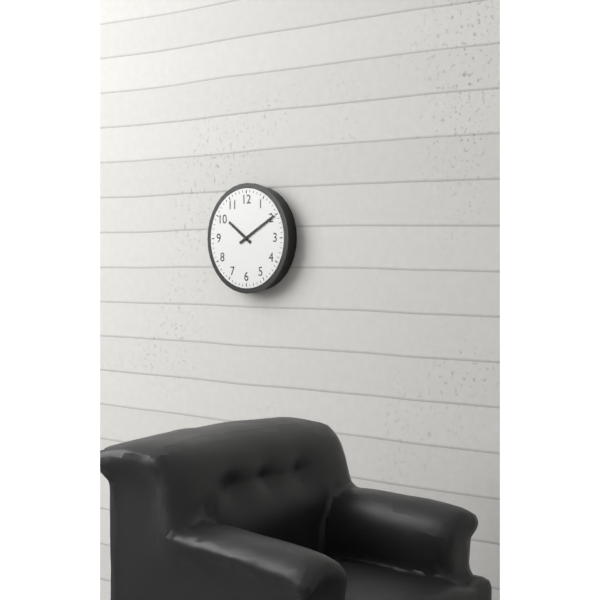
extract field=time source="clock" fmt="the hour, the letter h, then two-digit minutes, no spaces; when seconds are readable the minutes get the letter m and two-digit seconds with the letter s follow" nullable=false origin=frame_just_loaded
10h10
